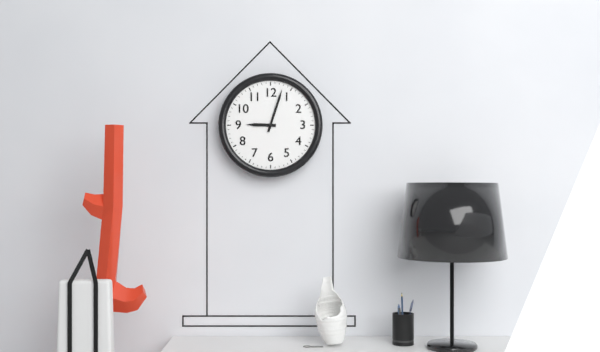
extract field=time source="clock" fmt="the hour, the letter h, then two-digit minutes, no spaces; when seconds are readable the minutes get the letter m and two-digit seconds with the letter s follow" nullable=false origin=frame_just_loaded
9h03
